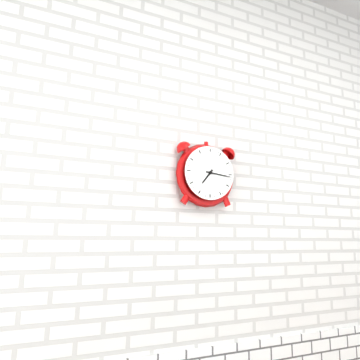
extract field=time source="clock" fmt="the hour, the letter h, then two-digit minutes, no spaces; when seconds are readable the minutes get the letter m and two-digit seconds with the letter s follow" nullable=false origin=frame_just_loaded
7h16
